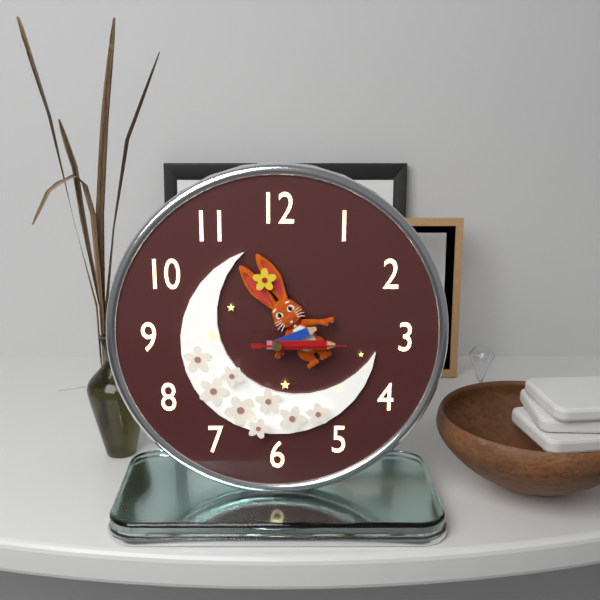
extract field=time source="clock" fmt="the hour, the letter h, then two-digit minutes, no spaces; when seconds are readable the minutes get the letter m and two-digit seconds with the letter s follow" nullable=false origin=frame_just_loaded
2h15m15s
